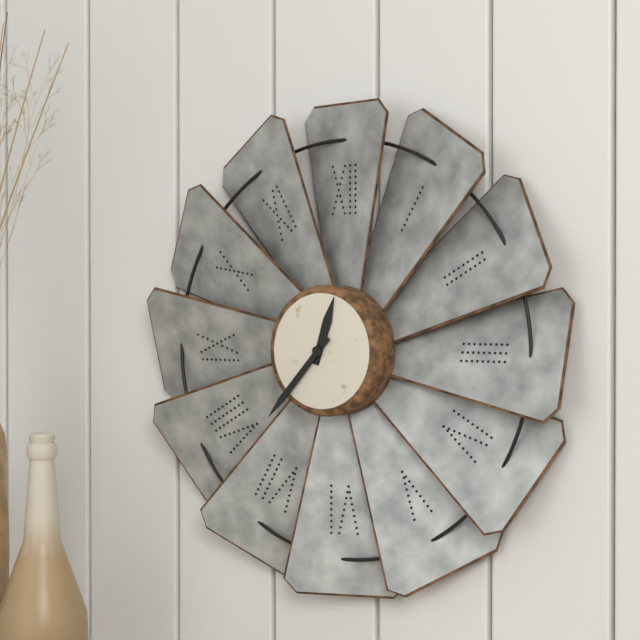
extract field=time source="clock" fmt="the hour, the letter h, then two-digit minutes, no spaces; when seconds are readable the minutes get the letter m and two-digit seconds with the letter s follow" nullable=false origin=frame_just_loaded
12h37
